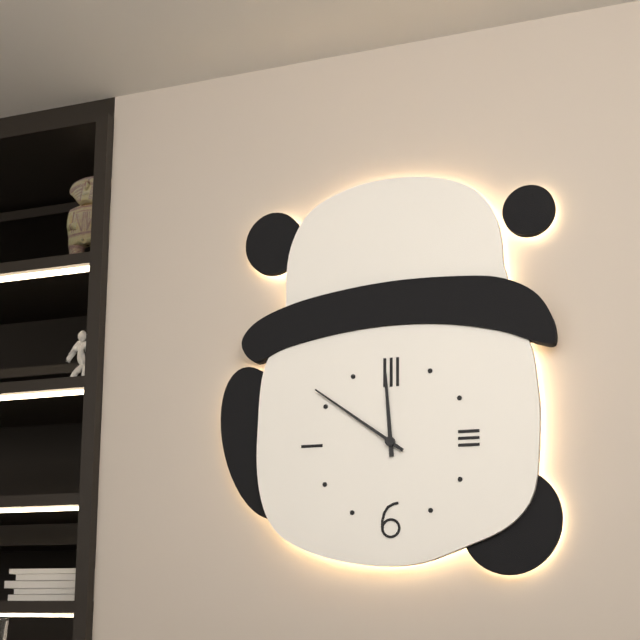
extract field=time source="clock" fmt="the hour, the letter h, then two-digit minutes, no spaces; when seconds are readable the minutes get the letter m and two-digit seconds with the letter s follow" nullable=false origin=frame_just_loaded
11h51
